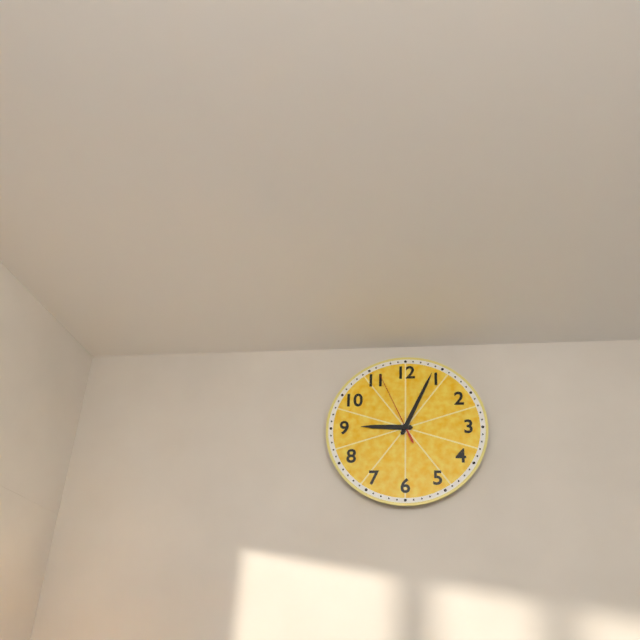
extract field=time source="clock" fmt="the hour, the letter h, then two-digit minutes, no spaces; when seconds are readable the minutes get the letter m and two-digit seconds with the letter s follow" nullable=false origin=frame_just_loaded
9h04m56s
